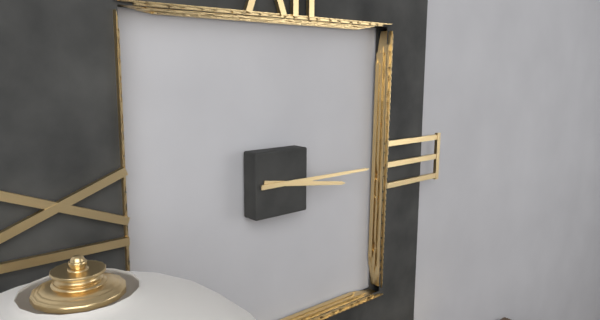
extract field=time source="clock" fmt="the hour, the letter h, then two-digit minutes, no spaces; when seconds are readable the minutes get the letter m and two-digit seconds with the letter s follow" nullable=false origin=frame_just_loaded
3h15
